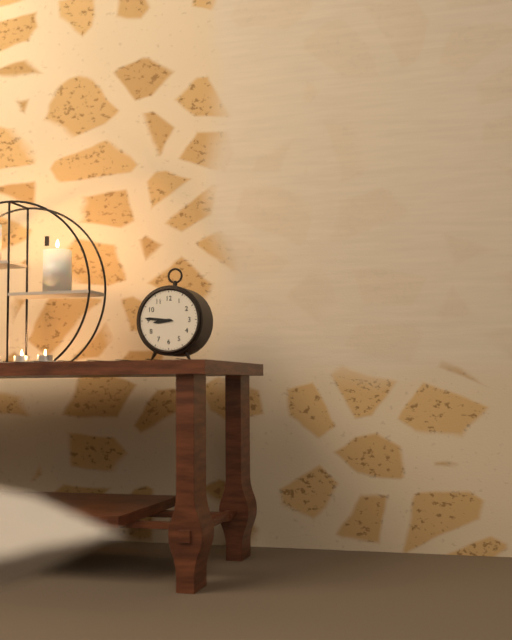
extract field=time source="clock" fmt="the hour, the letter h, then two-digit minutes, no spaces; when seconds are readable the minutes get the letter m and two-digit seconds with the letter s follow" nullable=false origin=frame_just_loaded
8h46
